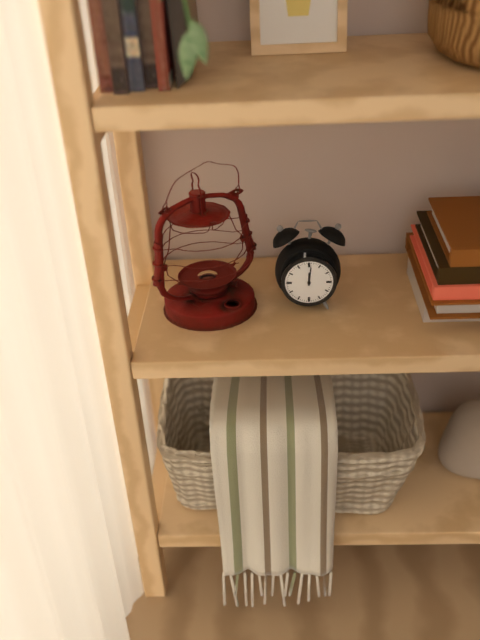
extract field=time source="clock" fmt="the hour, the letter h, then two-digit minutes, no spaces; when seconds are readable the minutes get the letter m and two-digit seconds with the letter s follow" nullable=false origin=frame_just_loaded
12h01
